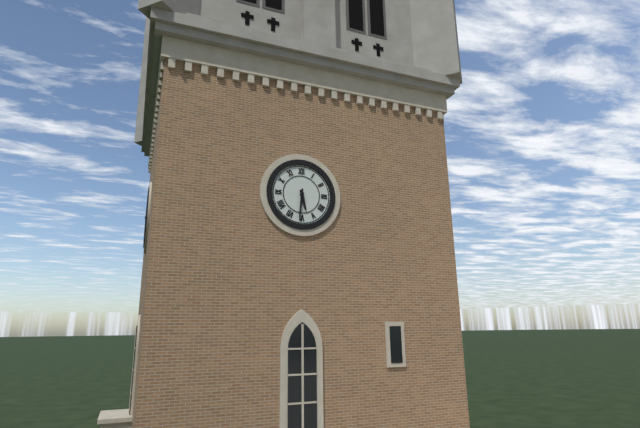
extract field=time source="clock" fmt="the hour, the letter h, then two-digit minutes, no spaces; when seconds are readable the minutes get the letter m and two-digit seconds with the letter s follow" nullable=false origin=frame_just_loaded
5h31
